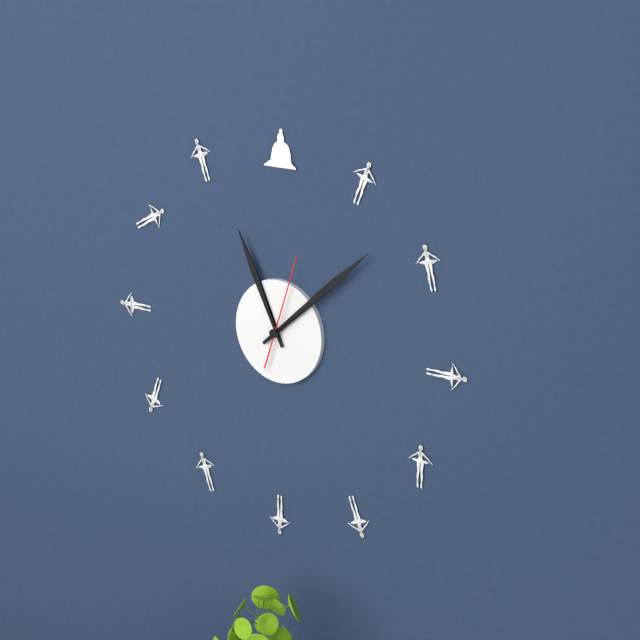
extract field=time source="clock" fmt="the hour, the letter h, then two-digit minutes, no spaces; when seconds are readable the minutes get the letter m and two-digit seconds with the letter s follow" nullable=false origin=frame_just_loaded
11h08m03s
